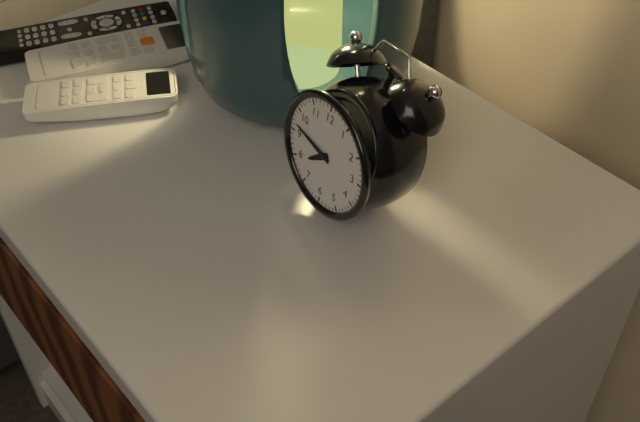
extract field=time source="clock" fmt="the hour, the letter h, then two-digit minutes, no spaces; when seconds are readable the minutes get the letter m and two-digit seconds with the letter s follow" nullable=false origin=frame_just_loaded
7h47
